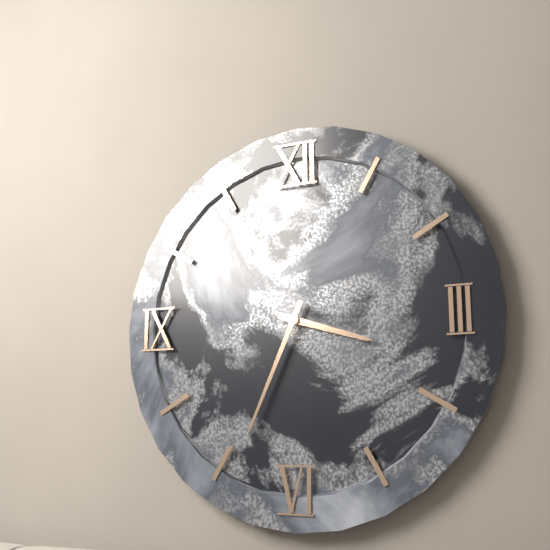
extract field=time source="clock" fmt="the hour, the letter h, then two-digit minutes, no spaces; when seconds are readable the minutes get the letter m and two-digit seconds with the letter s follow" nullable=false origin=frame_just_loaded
3h34
